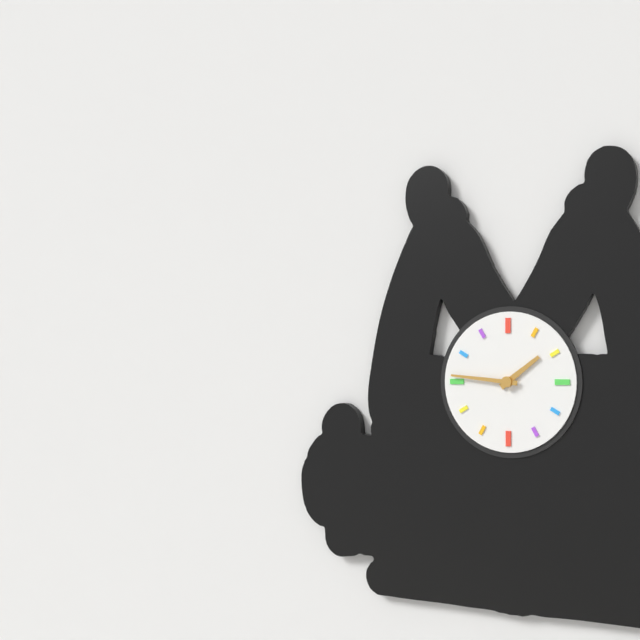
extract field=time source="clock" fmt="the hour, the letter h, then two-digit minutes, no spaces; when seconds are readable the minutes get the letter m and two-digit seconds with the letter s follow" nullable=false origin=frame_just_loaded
1h46
